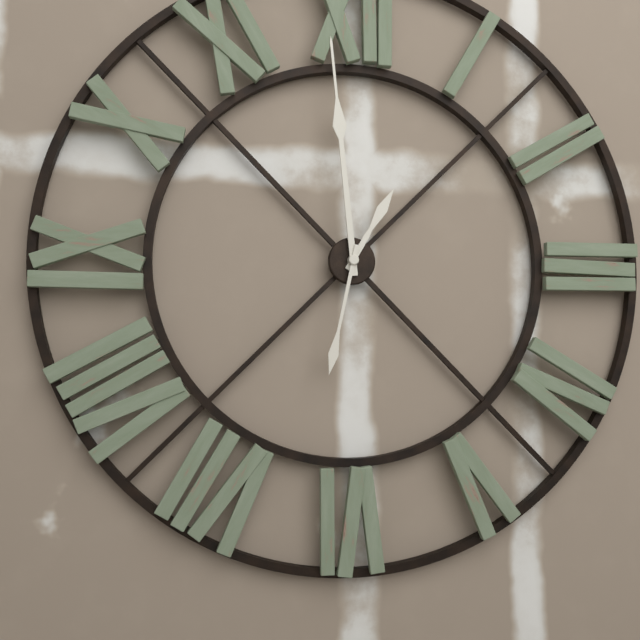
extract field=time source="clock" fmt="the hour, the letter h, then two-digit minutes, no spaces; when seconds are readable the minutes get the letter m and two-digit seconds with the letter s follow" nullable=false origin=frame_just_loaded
12h59m32s
